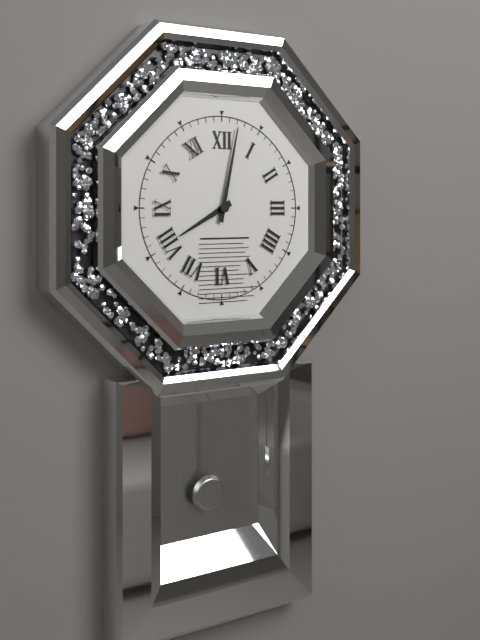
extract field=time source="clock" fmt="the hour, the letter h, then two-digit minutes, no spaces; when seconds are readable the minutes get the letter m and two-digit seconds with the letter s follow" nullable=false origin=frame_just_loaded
8h02
